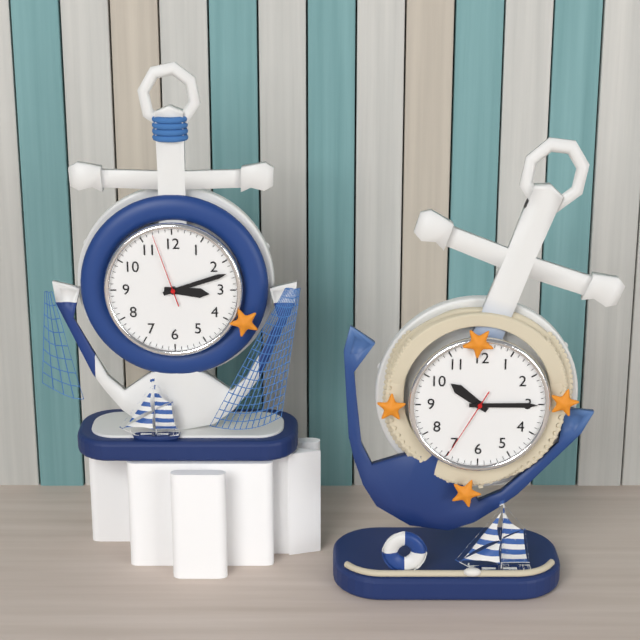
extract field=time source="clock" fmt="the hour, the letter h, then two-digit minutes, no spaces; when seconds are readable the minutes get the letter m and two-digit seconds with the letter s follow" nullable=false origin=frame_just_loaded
3h12m57s
